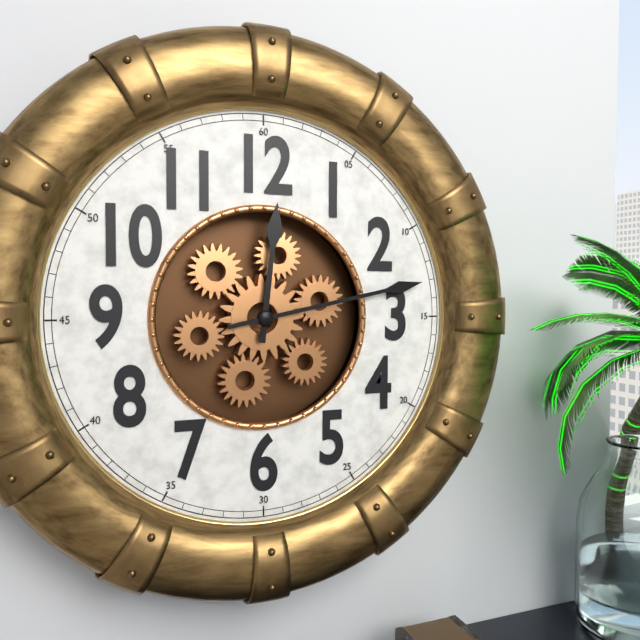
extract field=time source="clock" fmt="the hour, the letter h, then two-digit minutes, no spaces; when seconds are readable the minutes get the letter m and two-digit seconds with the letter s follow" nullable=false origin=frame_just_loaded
12h13
